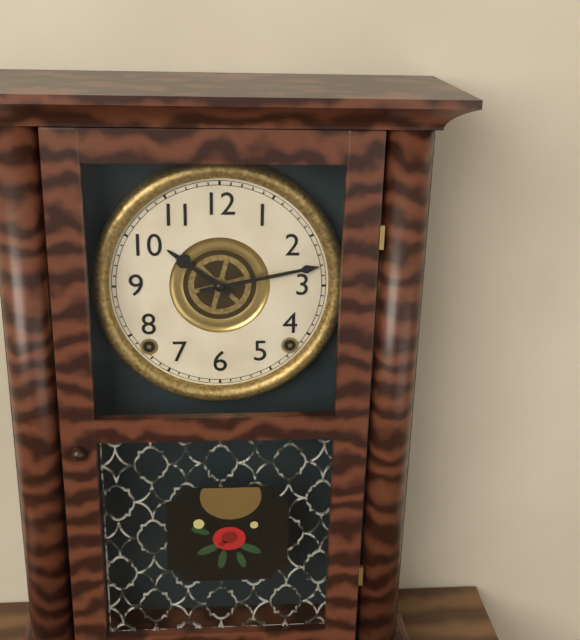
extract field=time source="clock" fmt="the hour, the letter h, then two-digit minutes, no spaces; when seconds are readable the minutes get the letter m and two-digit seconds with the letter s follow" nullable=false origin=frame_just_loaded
10h13
